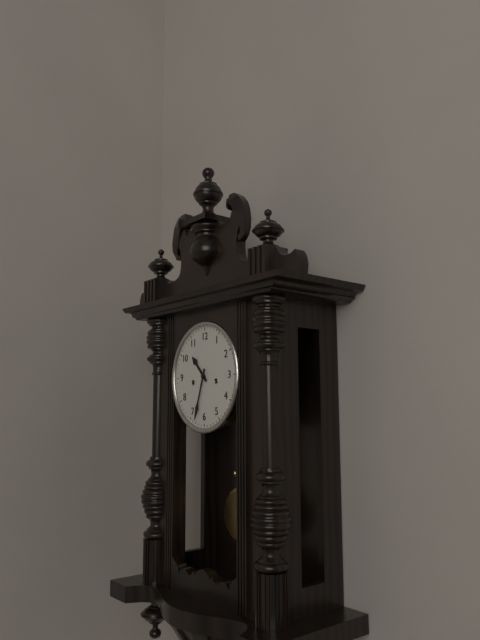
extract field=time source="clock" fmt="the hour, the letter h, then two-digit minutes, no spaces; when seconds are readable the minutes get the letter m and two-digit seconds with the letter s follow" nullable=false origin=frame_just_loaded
10h33
